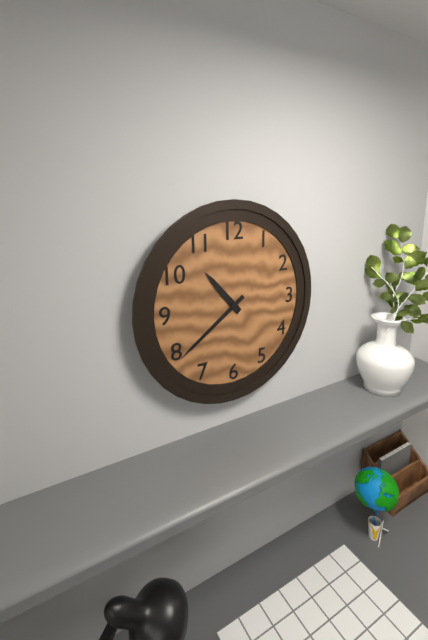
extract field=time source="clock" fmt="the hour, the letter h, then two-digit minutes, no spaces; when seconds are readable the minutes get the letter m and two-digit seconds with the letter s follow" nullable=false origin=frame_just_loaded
10h39
